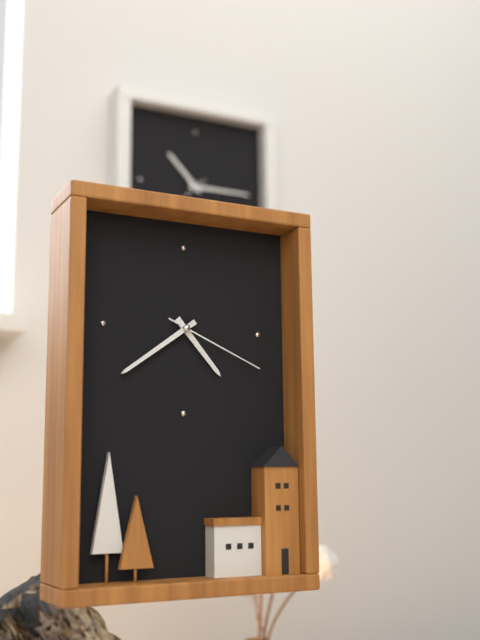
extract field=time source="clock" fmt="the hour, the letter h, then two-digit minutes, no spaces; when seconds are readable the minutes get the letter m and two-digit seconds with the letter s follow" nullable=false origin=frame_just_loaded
4h39m19s
